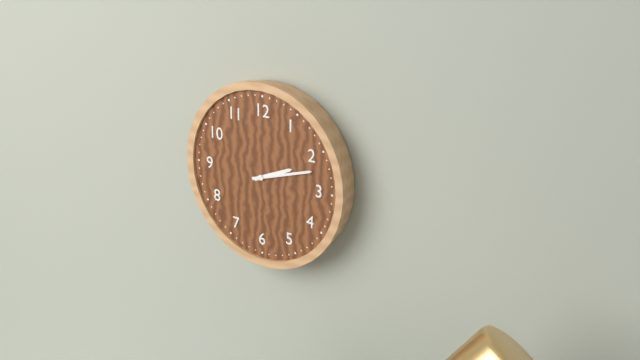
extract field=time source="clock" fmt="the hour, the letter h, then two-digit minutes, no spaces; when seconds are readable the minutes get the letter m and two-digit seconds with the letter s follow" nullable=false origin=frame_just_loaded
2h12
